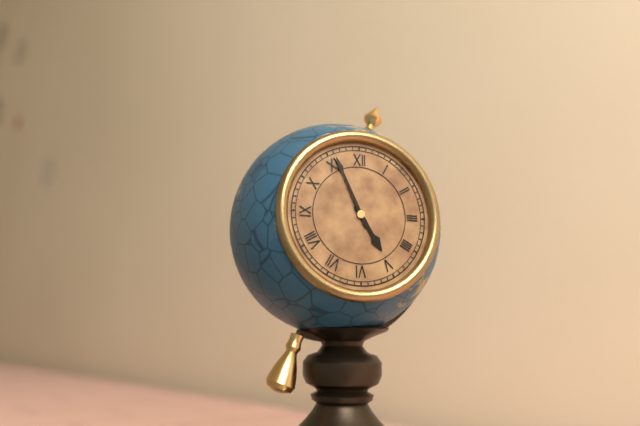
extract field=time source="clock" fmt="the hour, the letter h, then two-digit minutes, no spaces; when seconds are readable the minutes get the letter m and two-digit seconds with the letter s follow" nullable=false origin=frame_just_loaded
4h56
